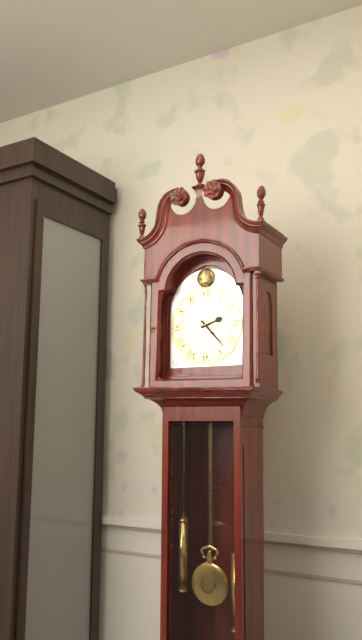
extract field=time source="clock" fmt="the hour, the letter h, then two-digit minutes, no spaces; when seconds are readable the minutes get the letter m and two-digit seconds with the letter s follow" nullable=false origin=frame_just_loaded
2h23
